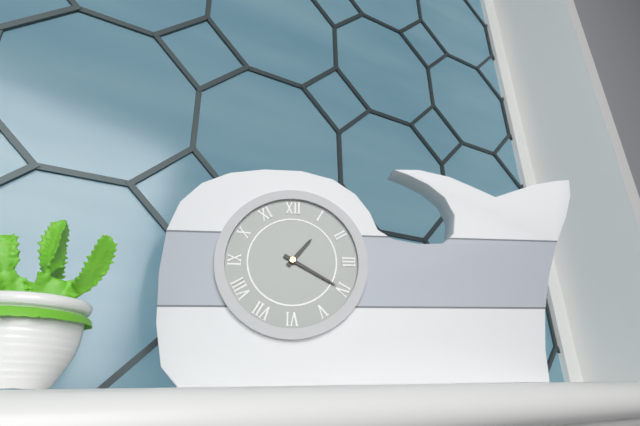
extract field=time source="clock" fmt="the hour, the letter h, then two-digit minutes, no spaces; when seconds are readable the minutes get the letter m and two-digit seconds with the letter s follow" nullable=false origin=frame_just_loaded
1h20
